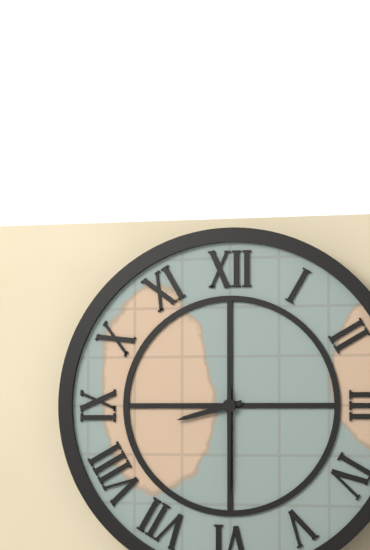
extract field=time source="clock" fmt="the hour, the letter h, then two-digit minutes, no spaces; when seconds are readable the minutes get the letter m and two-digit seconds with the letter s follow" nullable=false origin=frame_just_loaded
8h30
